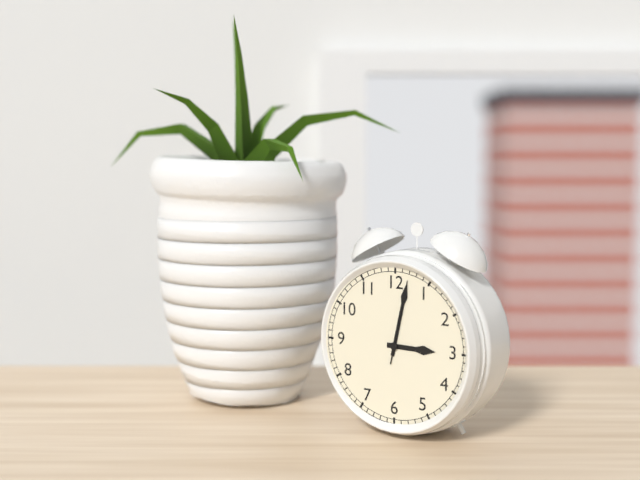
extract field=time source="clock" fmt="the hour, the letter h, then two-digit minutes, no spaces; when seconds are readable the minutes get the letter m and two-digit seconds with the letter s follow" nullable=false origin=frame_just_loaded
3h02m02s
